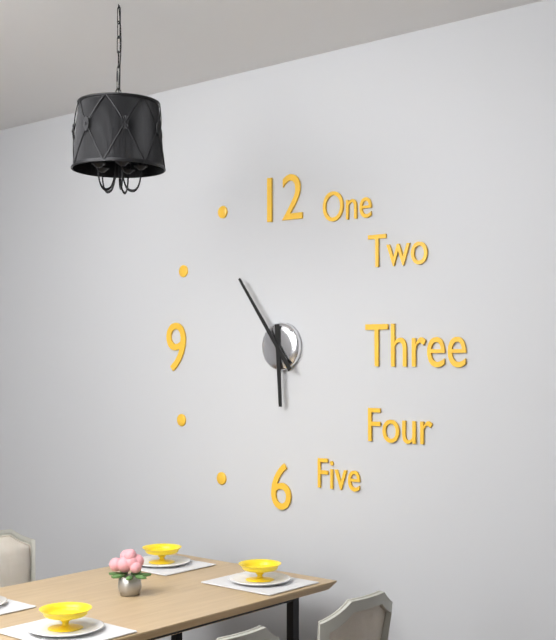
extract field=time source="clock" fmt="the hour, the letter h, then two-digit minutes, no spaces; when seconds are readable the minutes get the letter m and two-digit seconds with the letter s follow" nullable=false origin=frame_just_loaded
5h54
